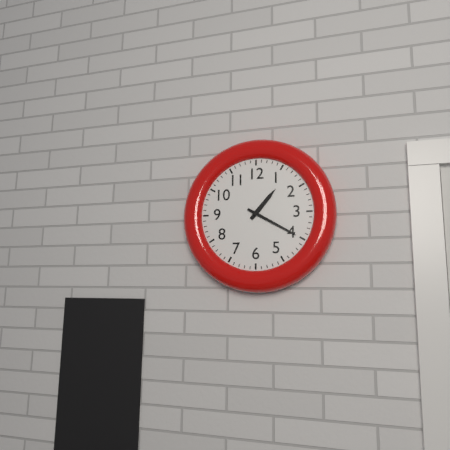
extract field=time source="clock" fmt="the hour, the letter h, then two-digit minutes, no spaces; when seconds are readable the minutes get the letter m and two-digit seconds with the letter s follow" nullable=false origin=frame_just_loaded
1h20
